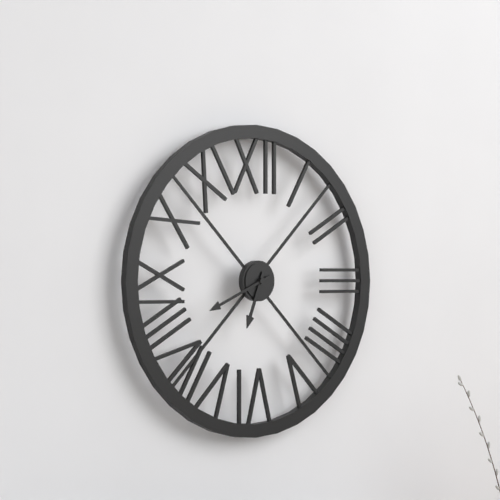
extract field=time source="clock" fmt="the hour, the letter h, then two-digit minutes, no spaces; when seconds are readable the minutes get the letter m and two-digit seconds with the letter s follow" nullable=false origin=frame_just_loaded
6h41
